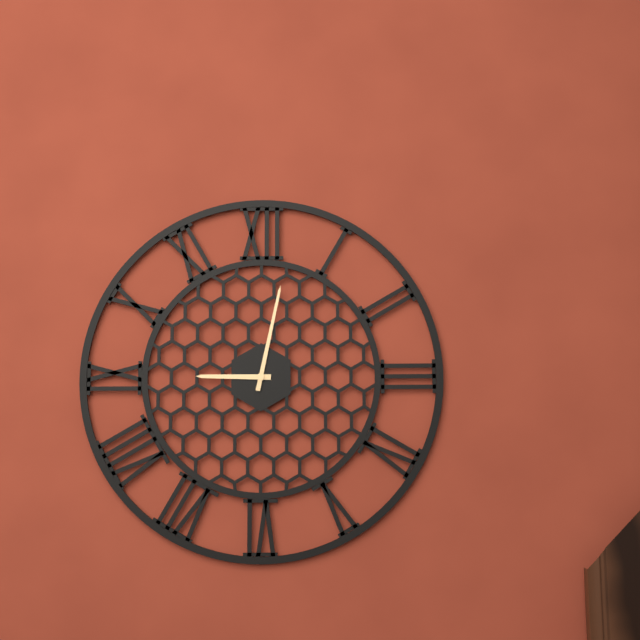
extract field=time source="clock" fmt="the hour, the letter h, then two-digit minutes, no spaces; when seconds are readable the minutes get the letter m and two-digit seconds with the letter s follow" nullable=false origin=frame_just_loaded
9h02
